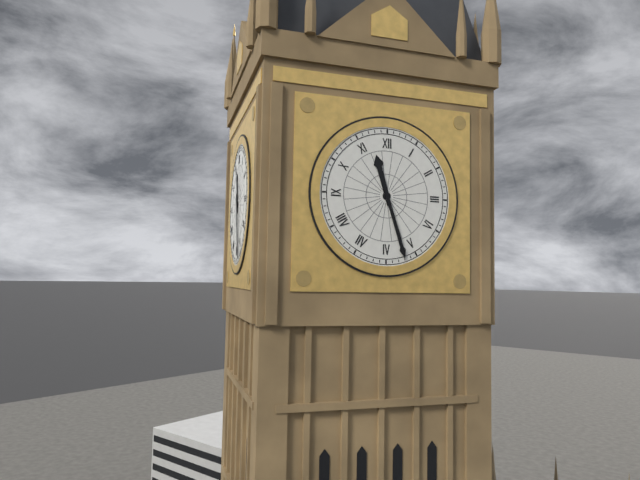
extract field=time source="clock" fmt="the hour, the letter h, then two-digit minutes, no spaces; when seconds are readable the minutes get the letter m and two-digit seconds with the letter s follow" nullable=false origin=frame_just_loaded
11h27
